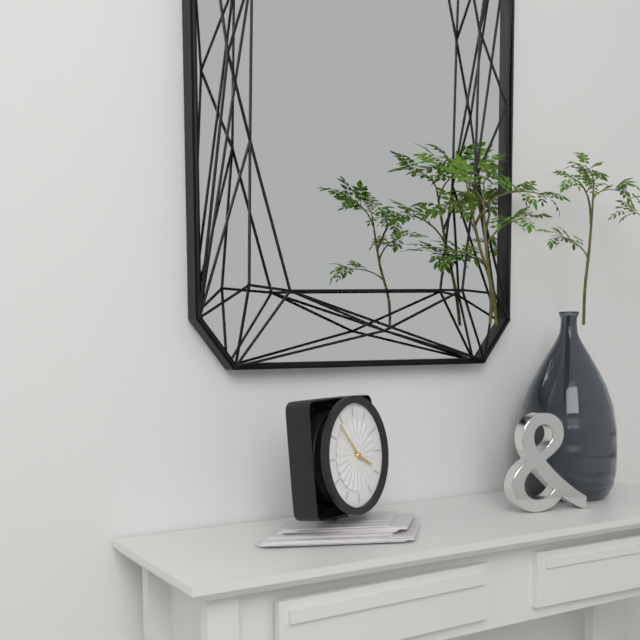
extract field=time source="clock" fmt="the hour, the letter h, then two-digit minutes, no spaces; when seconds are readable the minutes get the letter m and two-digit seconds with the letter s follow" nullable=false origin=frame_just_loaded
3h53
